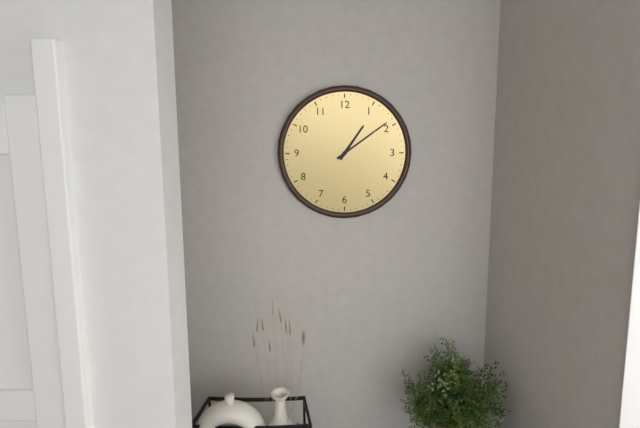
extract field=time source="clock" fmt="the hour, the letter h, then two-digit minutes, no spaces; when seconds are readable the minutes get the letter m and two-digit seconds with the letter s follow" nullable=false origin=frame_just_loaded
1h09
